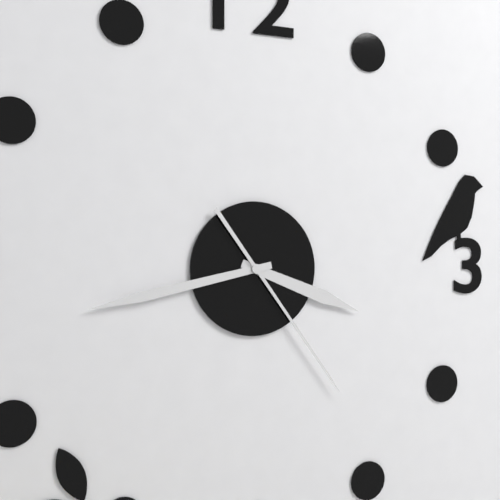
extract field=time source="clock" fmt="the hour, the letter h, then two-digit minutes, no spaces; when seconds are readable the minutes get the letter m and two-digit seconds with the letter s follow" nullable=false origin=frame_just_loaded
3h43m24s
